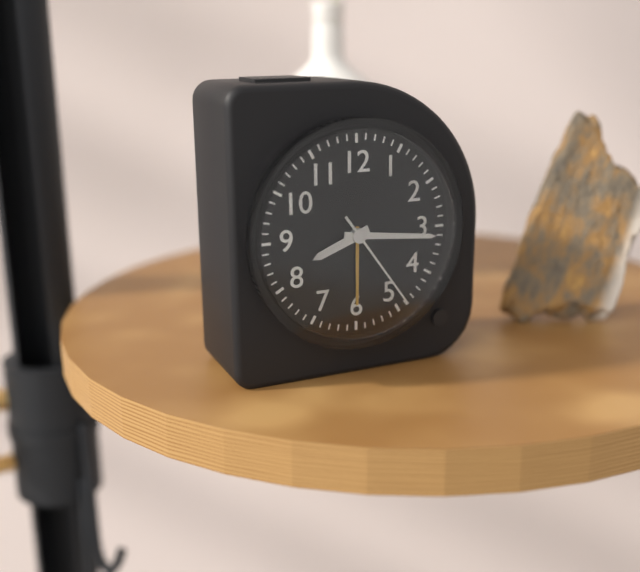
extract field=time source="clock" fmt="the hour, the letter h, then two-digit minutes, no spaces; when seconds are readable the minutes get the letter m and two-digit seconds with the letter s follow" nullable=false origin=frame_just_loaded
8h16m24s
